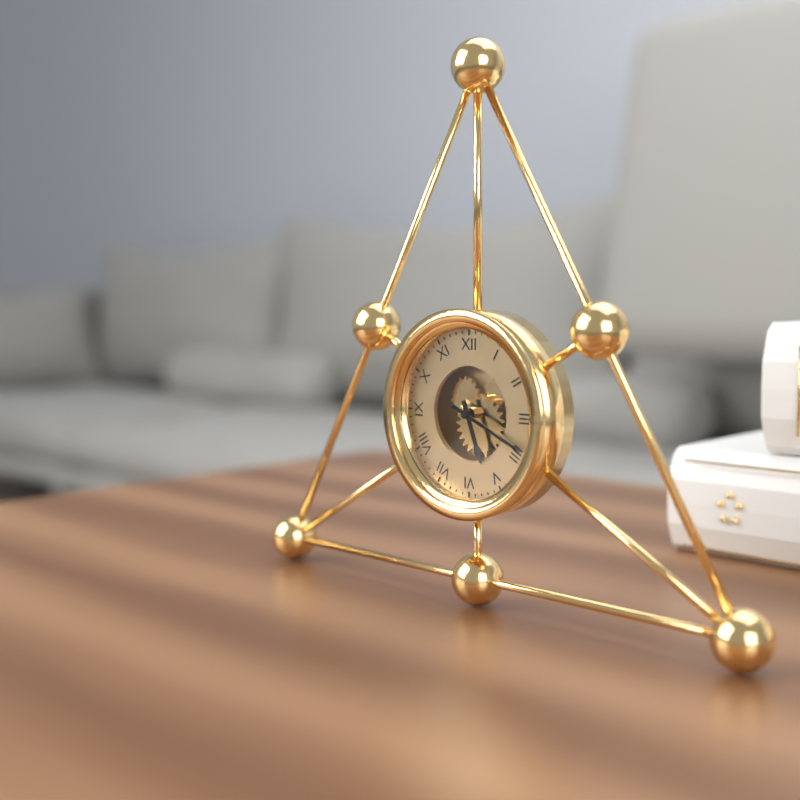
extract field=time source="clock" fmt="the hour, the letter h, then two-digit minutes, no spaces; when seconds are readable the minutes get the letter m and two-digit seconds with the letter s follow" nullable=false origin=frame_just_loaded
5h19
